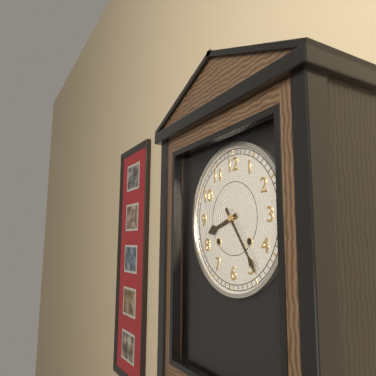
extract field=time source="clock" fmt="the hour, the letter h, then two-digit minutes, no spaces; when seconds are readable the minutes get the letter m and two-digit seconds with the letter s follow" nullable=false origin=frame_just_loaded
8h24
